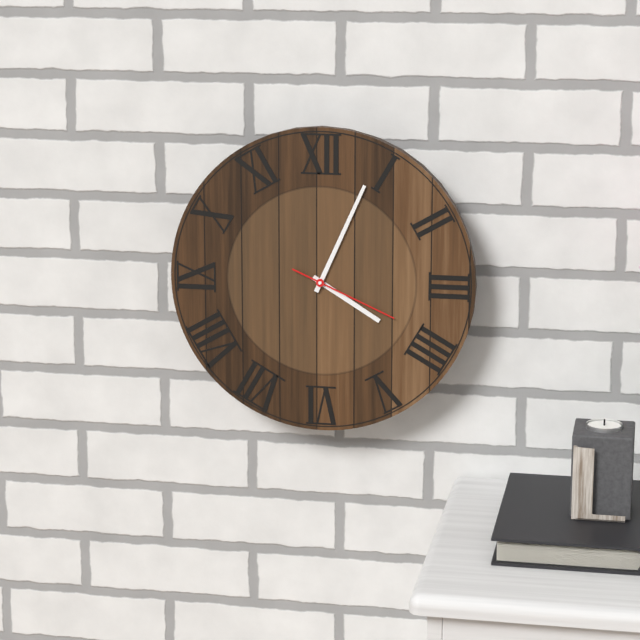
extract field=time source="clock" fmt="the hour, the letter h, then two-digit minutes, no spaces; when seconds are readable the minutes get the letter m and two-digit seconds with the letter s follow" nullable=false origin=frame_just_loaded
4h04m19s
